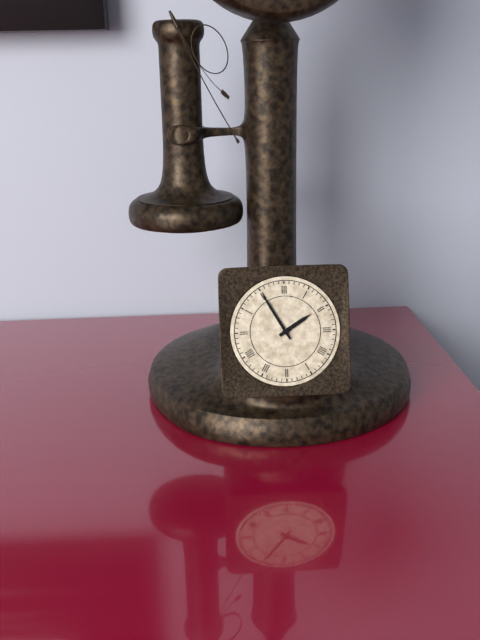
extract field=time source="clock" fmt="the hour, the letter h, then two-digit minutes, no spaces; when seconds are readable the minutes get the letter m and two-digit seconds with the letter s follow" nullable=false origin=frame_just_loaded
1h55
